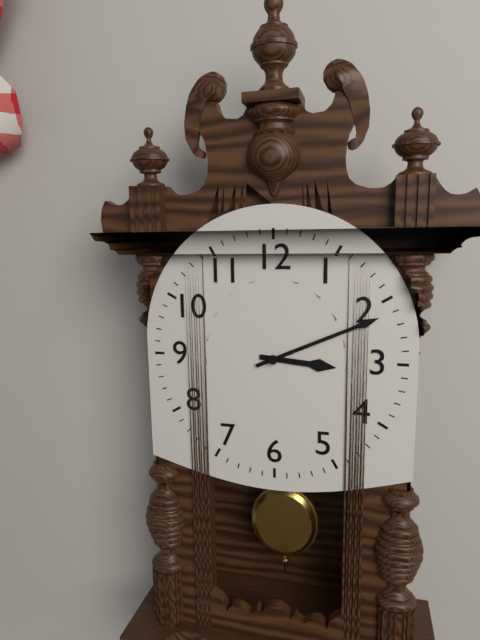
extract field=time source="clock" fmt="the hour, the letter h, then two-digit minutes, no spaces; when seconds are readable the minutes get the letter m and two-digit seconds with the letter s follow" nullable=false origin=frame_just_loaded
3h11
